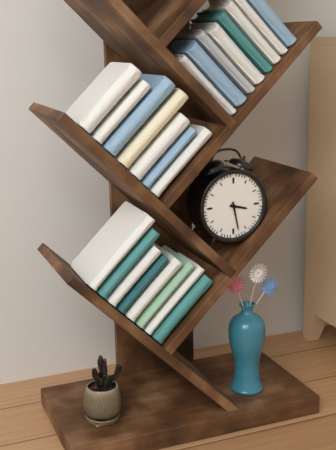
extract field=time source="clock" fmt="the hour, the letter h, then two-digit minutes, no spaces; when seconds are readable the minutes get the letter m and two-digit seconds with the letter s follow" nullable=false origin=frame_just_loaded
3h28
